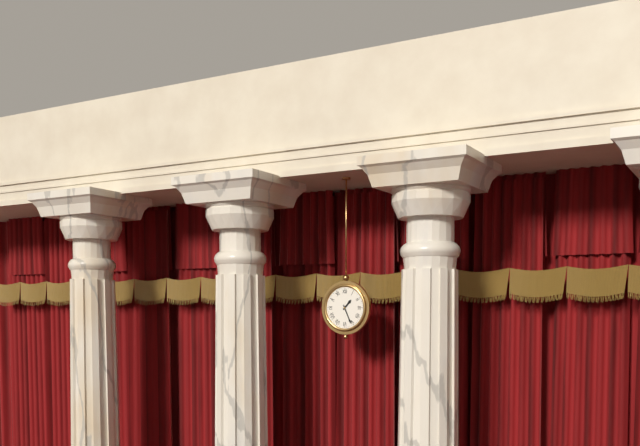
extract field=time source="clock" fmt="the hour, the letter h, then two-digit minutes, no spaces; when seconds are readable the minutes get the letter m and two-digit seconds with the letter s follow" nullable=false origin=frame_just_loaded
1h26
